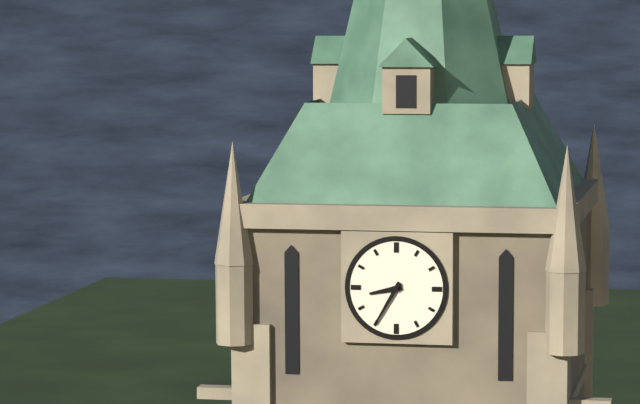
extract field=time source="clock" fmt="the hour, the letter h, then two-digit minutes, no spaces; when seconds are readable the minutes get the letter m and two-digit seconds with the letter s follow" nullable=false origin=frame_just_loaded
8h35
